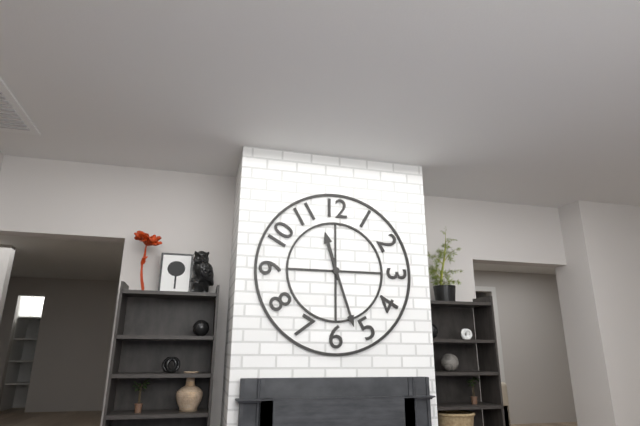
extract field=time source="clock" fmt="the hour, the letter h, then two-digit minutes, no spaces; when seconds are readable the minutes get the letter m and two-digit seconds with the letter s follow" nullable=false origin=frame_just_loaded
11h27
